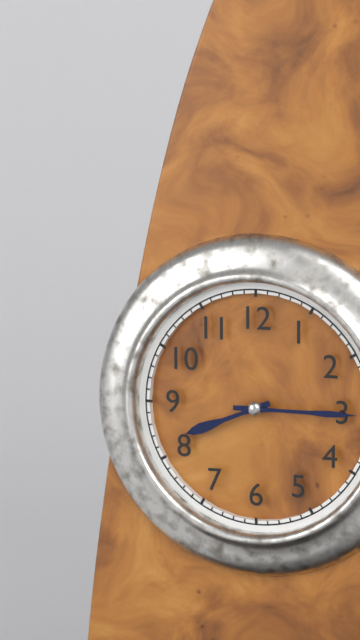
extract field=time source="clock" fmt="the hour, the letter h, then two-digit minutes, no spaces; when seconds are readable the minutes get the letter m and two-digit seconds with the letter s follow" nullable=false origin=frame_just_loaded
8h15
